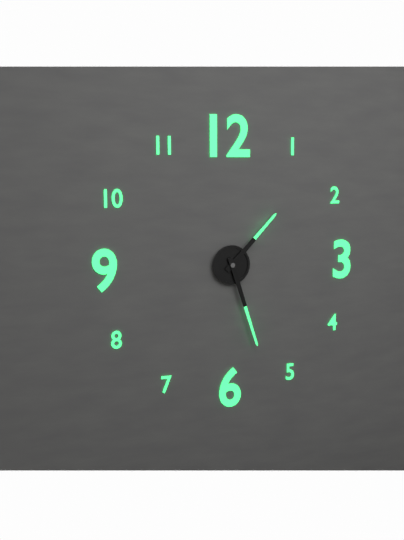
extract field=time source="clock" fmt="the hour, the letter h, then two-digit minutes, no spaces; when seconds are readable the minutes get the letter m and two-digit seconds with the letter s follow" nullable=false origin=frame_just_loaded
1h27
